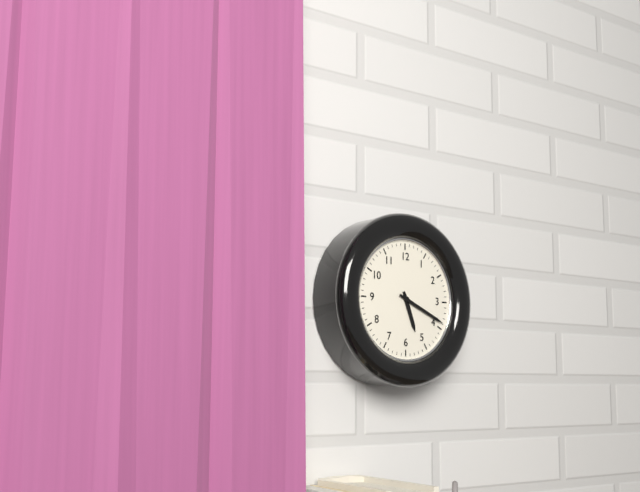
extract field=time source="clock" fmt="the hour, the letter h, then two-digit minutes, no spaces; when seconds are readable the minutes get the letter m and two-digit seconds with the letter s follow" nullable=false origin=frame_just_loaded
5h19
